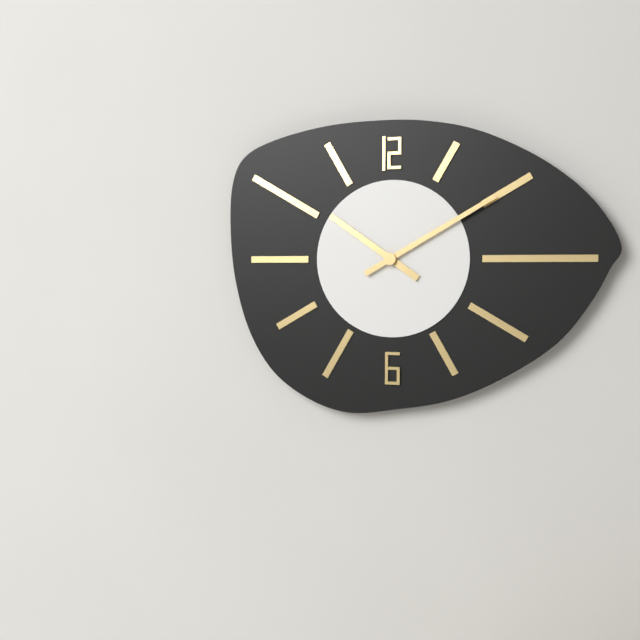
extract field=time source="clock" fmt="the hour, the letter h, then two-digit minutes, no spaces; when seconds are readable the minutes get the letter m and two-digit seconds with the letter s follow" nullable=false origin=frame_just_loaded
10h10
